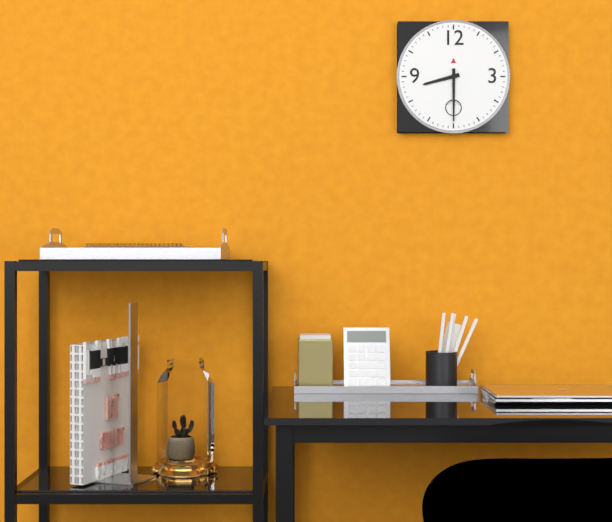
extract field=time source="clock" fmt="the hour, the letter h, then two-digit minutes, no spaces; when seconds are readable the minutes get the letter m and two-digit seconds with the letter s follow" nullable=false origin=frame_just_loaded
8h30
